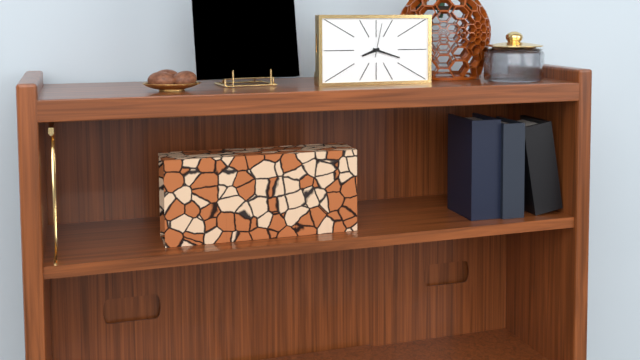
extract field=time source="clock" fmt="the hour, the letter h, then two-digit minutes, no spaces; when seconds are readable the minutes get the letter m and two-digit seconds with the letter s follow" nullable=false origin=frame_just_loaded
8h18
